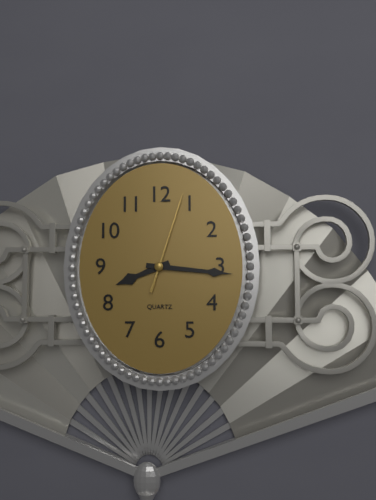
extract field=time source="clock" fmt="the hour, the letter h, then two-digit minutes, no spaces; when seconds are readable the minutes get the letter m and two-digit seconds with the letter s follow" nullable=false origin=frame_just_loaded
8h16m03s
